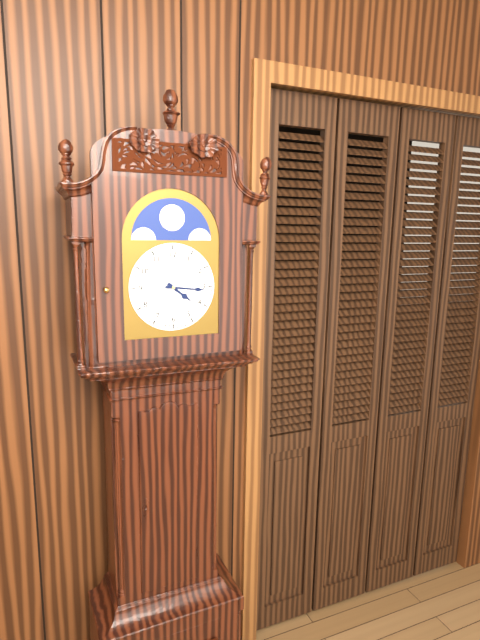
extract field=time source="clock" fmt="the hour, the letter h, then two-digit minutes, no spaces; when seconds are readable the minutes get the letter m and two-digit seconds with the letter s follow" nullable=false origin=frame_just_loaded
4h16
